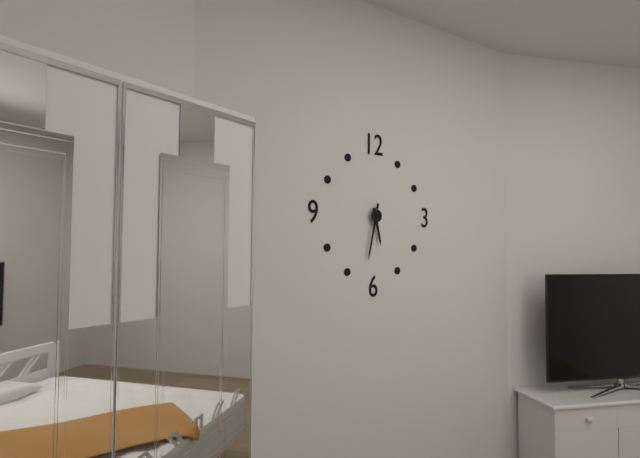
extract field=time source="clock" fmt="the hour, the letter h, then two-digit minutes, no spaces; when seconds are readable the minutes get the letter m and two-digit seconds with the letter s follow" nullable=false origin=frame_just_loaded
5h32
